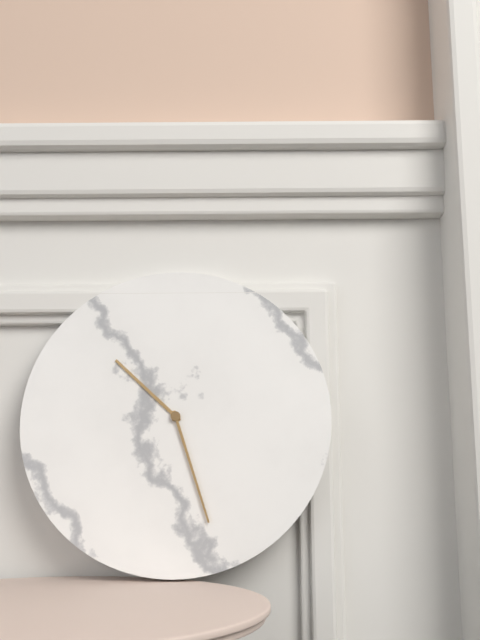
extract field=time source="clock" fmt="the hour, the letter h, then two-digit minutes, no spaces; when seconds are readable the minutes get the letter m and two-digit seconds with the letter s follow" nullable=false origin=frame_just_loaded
10h27
